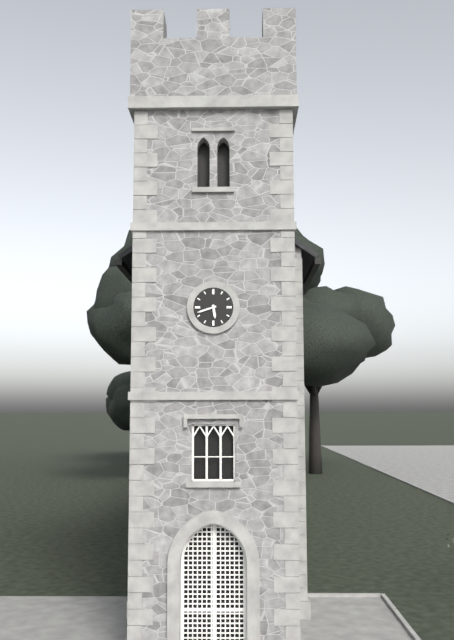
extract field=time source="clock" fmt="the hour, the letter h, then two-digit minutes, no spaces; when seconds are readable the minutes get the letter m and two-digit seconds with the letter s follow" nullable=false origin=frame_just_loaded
5h42
